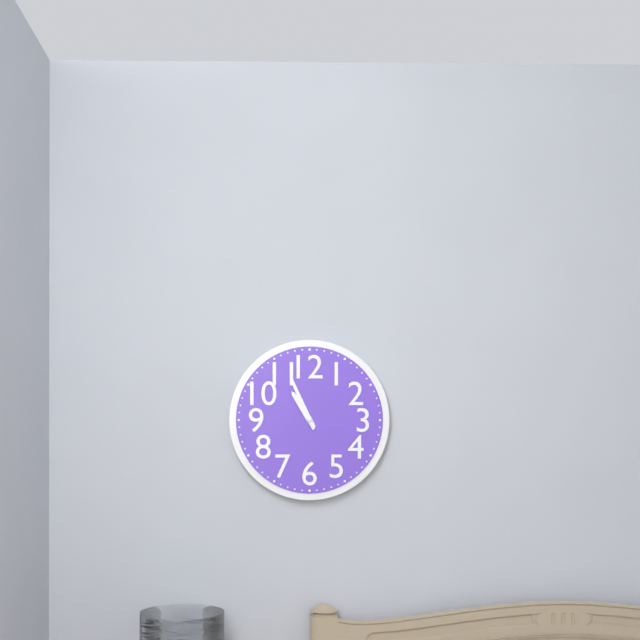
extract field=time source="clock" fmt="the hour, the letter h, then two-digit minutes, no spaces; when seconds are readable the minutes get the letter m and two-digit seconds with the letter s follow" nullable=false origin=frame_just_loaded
10h56
